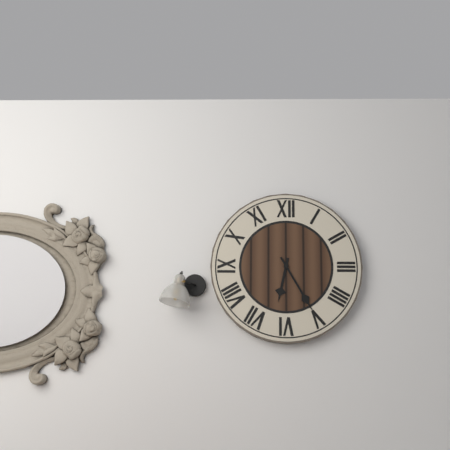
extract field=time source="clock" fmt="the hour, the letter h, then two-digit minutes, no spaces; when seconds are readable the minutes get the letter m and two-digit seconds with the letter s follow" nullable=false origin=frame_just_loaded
6h25
